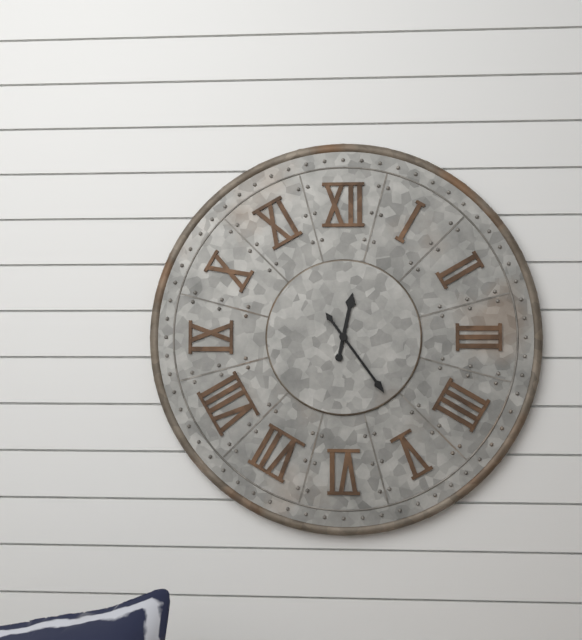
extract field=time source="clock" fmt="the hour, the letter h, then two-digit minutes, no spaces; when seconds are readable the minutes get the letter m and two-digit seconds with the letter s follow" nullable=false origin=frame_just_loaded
12h24
